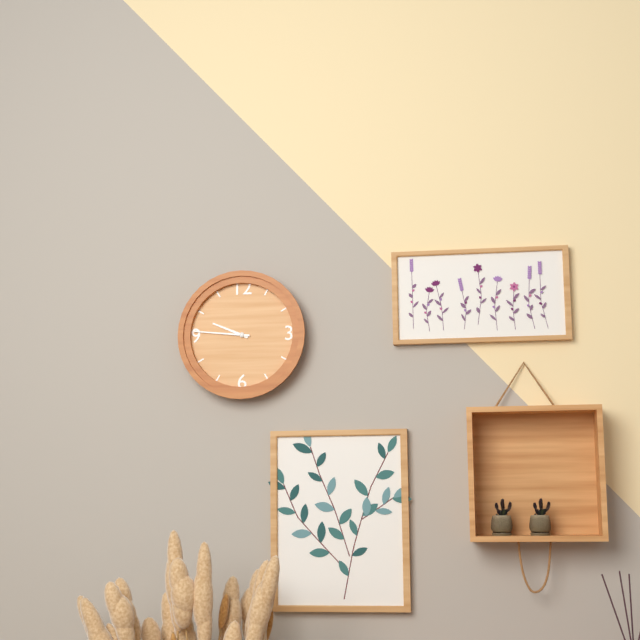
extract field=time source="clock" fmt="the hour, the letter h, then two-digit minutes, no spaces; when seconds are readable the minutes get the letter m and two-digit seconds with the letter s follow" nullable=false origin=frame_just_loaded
9h46
